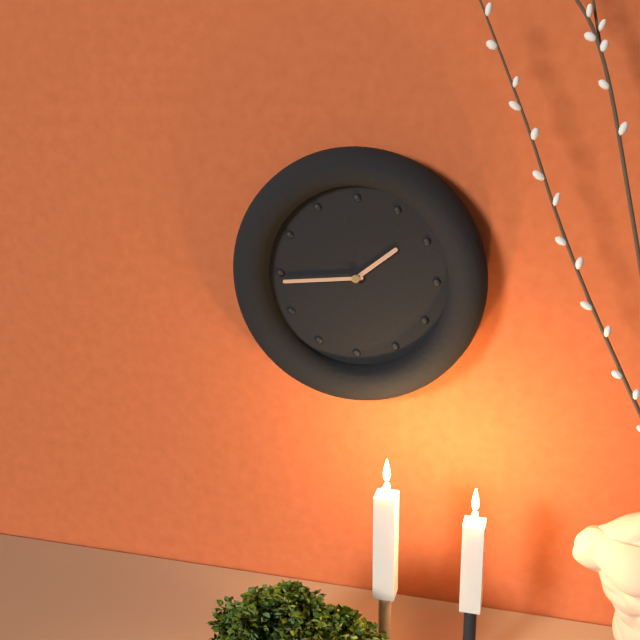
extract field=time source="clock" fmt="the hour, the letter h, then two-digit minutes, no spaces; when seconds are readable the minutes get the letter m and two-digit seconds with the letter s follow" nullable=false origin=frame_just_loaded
1h44
